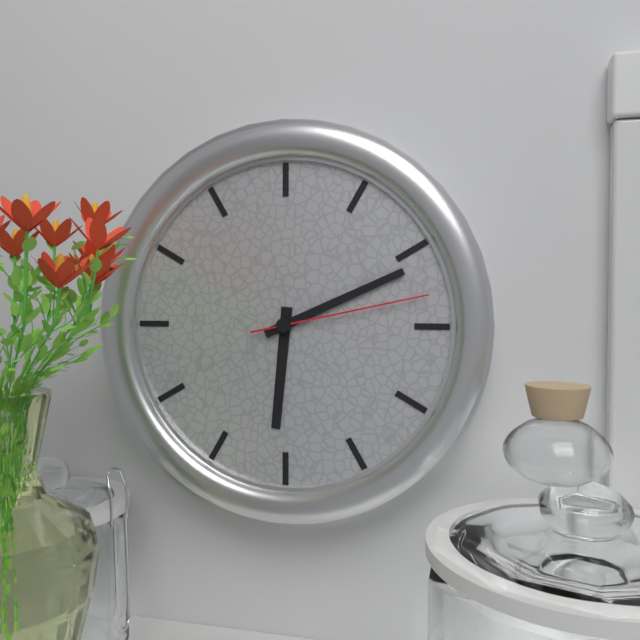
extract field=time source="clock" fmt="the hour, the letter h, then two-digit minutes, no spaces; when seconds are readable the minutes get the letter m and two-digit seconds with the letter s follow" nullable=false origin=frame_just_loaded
6h11m13s
